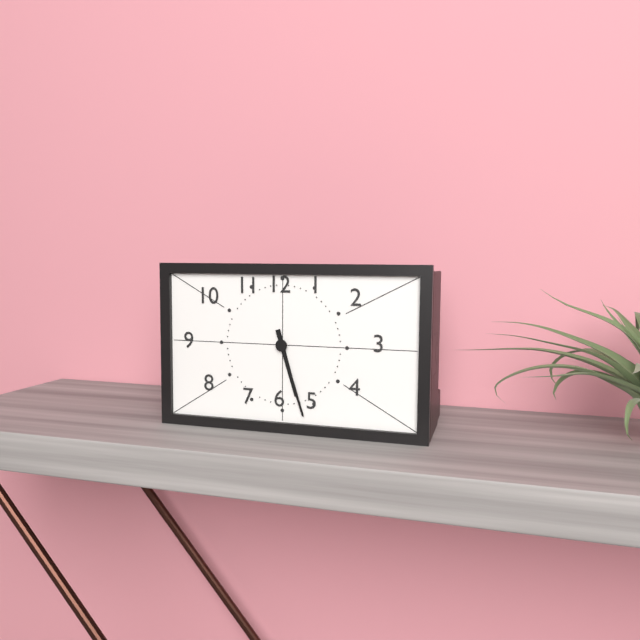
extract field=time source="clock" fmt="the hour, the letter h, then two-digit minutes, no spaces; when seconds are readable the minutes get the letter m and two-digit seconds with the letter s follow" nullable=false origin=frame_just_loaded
5h27
